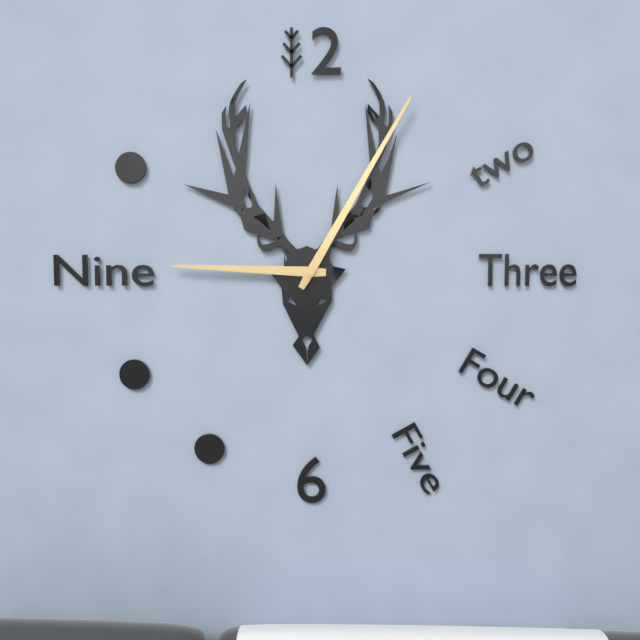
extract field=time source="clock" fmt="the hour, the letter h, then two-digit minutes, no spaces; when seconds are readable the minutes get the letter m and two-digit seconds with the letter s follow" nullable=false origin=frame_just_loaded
9h05
